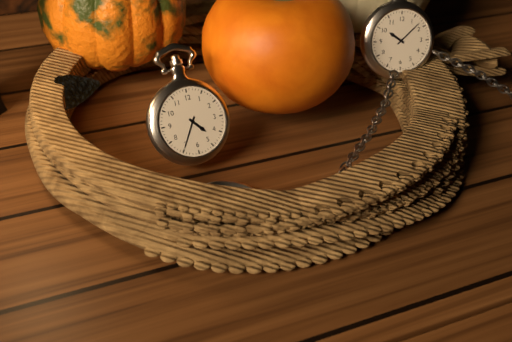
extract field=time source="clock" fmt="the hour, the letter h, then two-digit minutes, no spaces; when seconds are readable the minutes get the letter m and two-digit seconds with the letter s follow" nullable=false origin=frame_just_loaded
4h35
